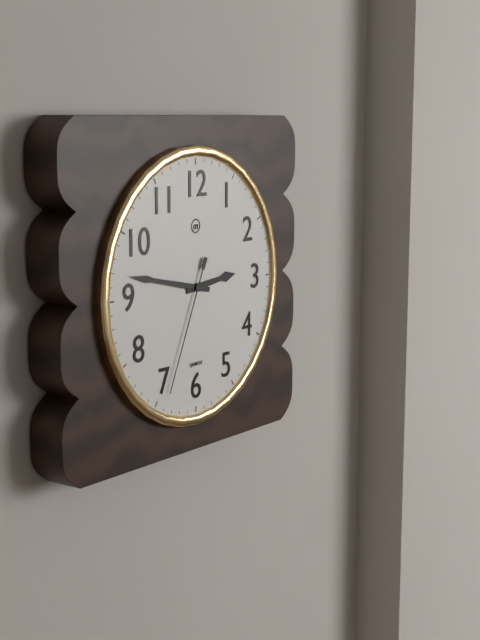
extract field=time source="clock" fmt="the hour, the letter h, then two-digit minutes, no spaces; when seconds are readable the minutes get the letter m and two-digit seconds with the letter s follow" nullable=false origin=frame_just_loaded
2h47m34s
